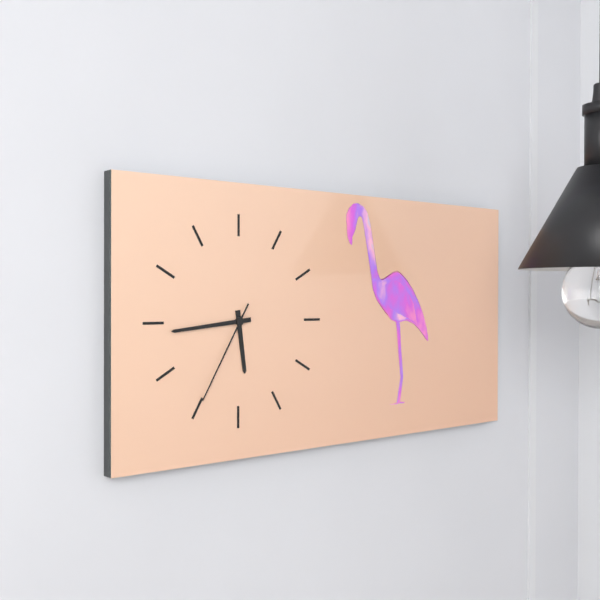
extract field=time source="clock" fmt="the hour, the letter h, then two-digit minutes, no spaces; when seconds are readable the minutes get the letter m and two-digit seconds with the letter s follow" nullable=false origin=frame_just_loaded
5h44m35s
